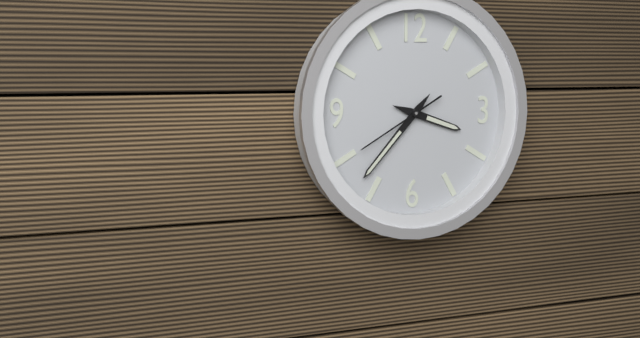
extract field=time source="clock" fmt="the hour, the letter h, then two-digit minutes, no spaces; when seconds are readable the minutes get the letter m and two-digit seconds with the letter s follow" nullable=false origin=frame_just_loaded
3h37m40s
